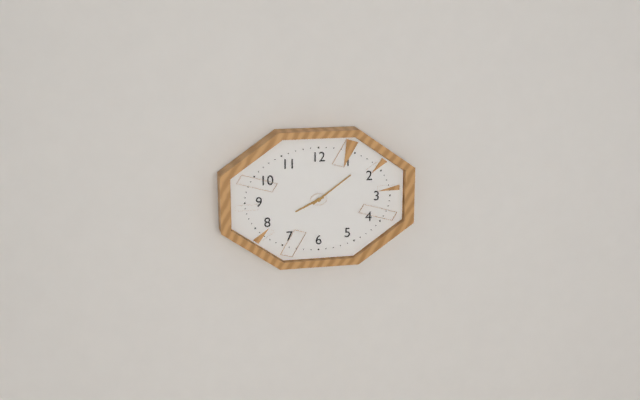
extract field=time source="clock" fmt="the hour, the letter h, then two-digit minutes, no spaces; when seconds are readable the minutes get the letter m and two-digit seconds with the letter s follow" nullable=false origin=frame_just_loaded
8h09
